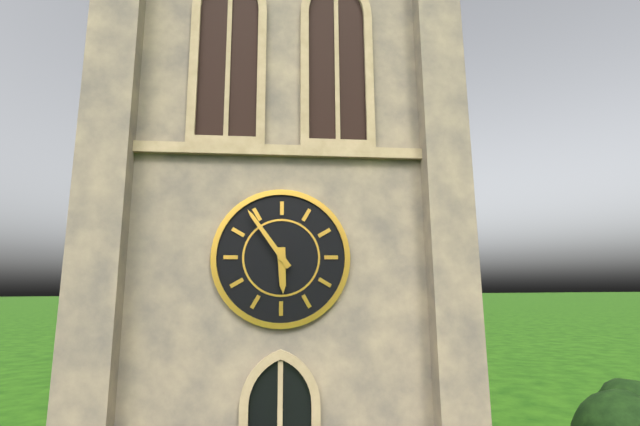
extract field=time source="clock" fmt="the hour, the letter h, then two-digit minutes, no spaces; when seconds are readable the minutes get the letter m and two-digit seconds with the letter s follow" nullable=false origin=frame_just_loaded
5h54
